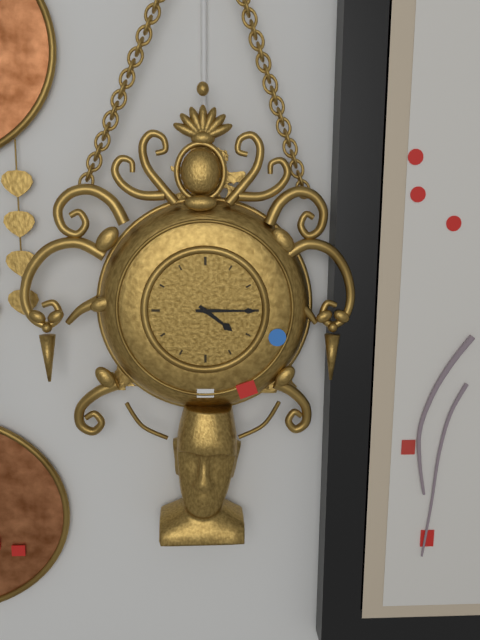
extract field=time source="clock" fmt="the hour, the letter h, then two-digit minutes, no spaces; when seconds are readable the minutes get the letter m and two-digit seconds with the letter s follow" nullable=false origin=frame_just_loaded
4h15
